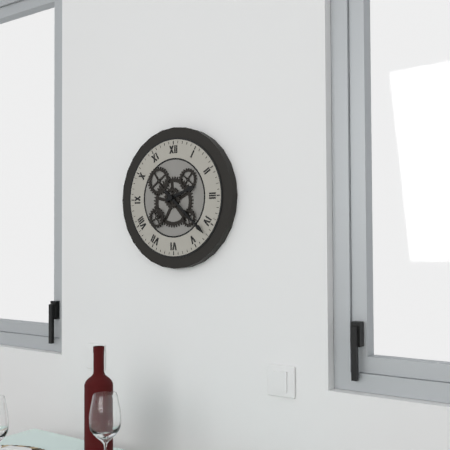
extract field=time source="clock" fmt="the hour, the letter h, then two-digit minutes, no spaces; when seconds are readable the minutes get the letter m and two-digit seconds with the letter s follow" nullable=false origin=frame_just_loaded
2h22
